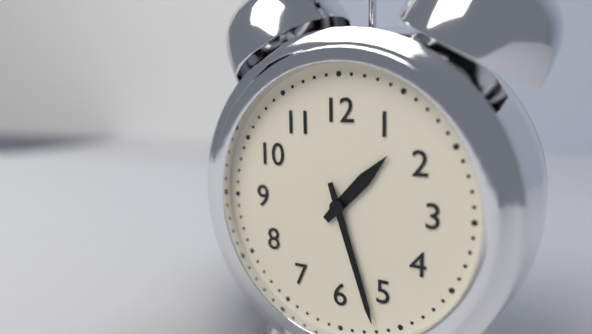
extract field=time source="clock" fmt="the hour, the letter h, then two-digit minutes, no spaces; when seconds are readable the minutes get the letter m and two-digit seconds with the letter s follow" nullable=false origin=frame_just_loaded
1h27
